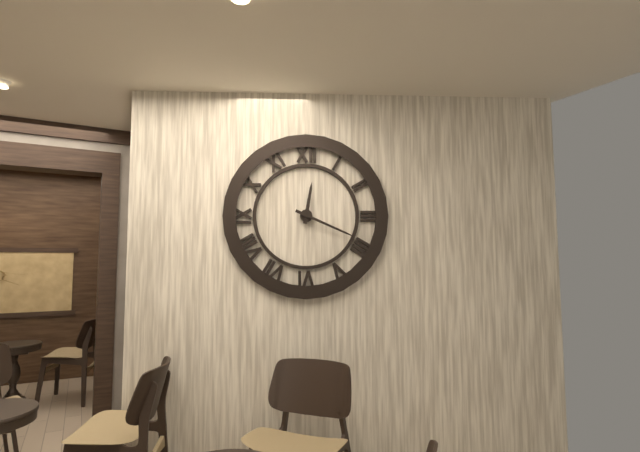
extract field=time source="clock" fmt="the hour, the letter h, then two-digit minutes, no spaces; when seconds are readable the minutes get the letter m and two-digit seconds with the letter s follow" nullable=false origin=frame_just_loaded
12h19
